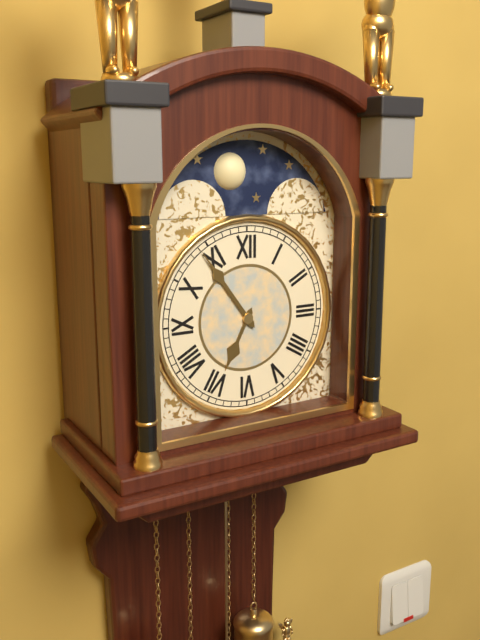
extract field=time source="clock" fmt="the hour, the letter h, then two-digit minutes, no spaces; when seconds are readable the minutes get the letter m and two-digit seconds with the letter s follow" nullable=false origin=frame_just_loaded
6h54
